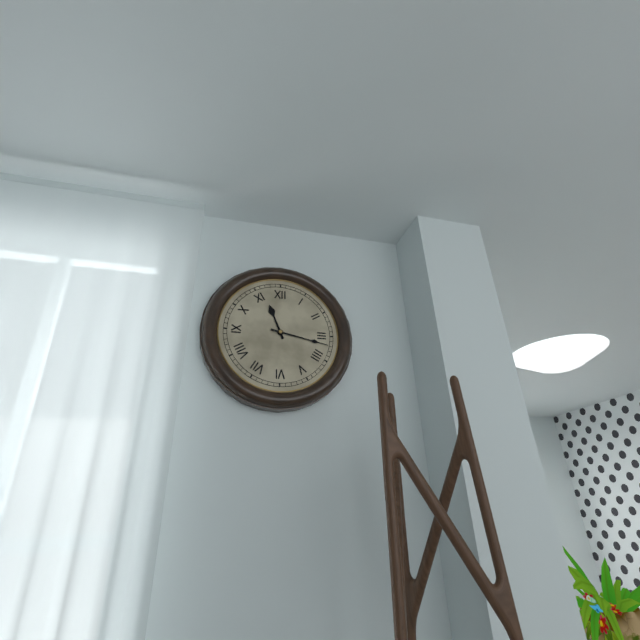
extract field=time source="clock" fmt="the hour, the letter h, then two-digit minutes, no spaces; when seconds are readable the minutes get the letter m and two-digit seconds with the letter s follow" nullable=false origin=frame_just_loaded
11h17
